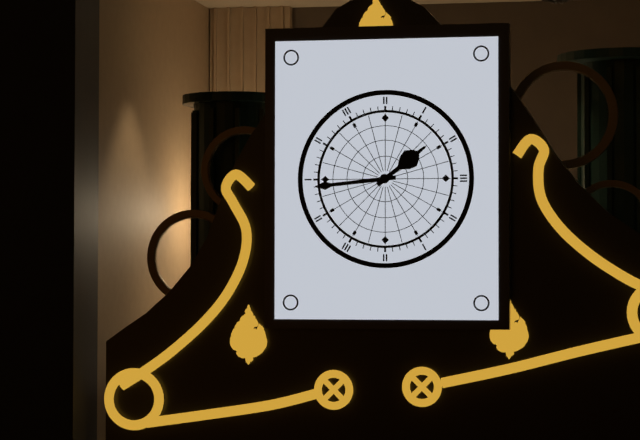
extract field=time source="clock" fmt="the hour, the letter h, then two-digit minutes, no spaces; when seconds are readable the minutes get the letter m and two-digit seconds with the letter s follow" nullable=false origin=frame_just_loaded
1h44
